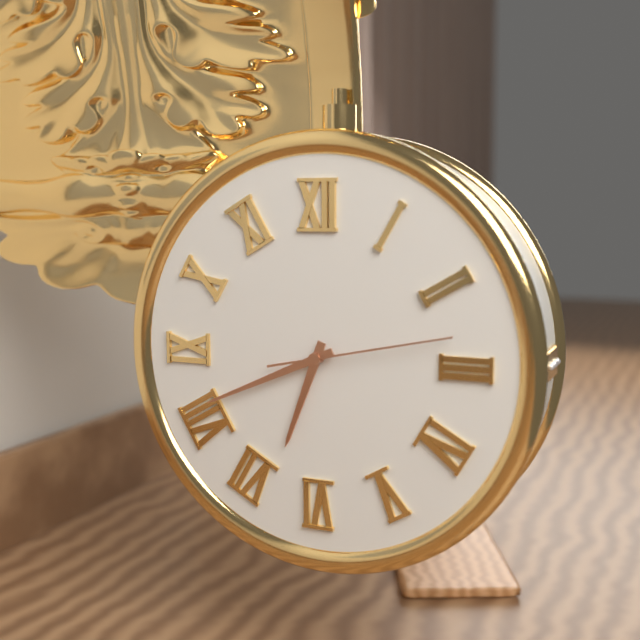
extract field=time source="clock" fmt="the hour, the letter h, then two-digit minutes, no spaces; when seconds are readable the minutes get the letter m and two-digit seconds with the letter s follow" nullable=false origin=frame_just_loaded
6h41m13s
